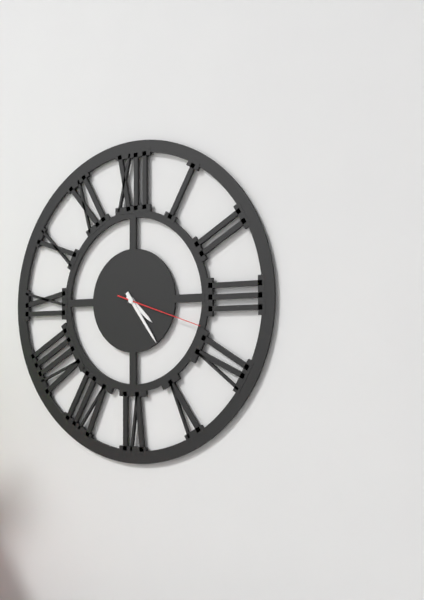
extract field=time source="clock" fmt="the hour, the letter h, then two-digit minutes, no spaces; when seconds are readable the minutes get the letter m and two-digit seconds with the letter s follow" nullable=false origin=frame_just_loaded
4h24m18s
